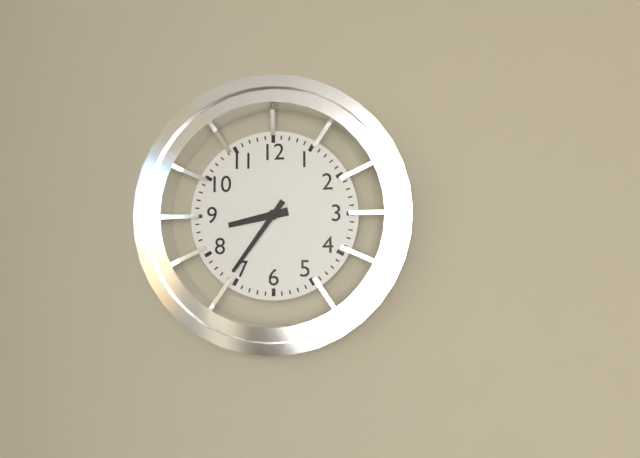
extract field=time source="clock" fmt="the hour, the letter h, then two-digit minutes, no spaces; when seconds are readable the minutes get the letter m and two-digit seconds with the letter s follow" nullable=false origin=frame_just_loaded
8h36
